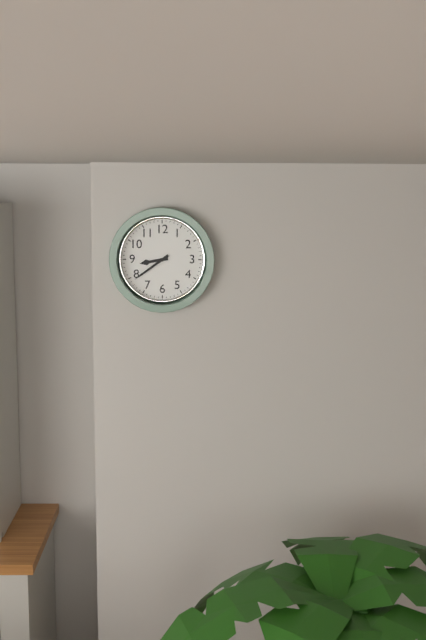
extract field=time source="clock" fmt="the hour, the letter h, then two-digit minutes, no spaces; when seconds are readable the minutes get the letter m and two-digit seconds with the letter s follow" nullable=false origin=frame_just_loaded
8h39
